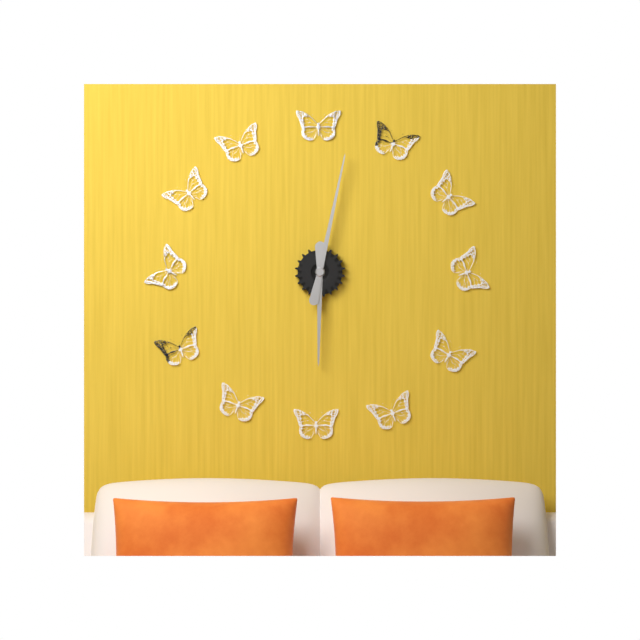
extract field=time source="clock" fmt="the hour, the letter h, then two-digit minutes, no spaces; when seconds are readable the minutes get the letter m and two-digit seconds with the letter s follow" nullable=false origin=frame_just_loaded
6h02
